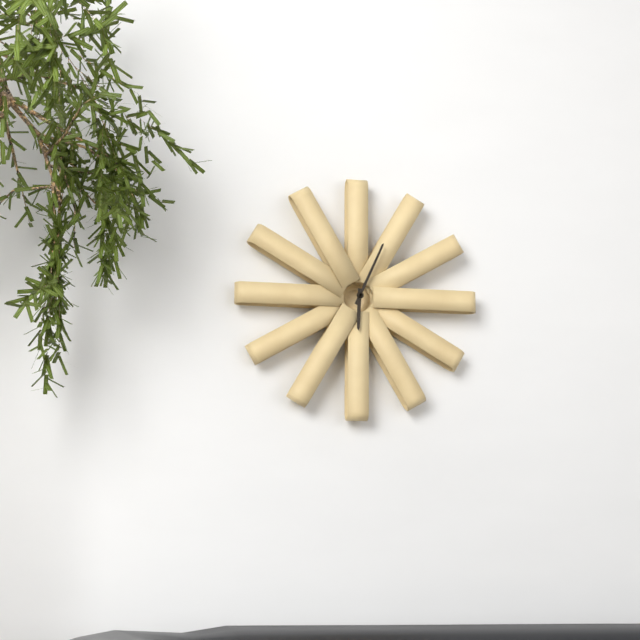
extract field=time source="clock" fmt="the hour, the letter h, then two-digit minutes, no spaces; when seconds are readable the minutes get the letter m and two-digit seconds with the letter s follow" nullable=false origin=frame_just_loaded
6h04
